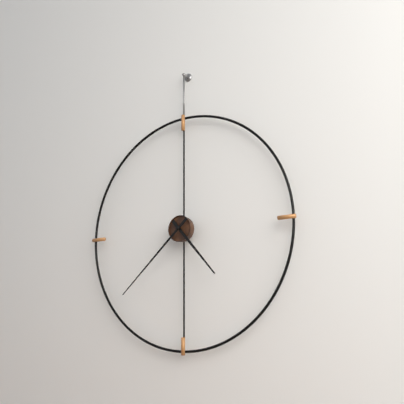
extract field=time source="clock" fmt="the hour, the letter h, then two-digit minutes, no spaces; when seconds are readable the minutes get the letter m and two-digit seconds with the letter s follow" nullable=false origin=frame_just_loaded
4h38
